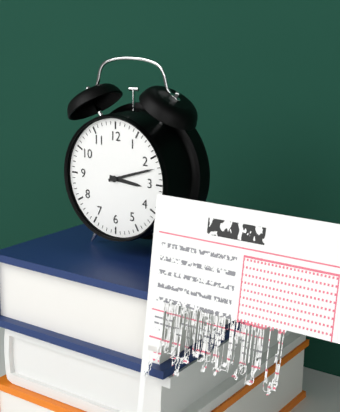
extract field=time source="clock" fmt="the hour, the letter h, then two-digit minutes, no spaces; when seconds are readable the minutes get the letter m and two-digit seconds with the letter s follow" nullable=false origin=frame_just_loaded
3h12
